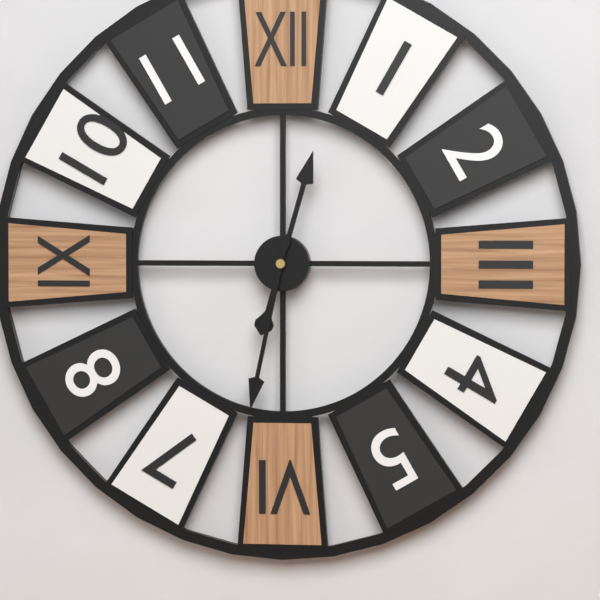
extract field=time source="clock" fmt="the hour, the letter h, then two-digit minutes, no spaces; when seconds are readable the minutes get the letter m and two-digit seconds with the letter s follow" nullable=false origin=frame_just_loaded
12h32
